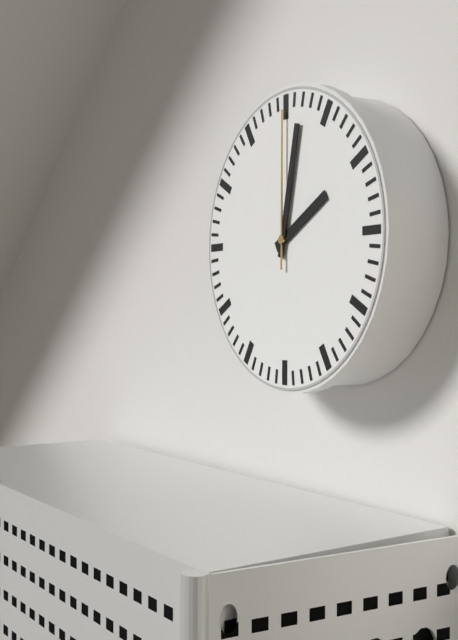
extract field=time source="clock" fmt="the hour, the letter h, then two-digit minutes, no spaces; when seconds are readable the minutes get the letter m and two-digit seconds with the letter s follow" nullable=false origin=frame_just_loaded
2h02m00s
